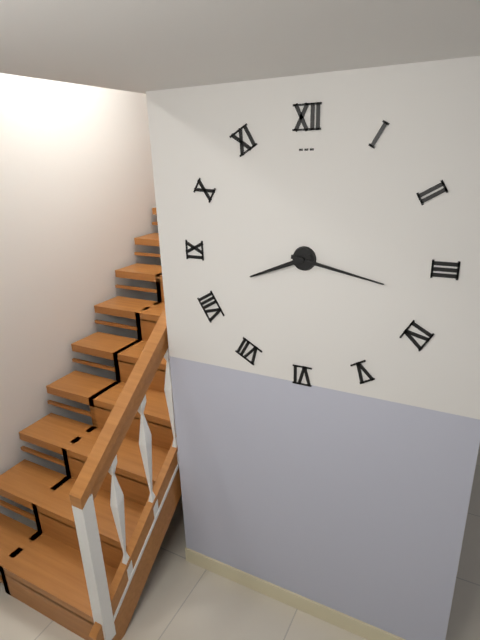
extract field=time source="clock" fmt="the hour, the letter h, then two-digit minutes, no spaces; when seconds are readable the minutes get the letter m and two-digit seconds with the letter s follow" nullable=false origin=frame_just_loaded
8h17
